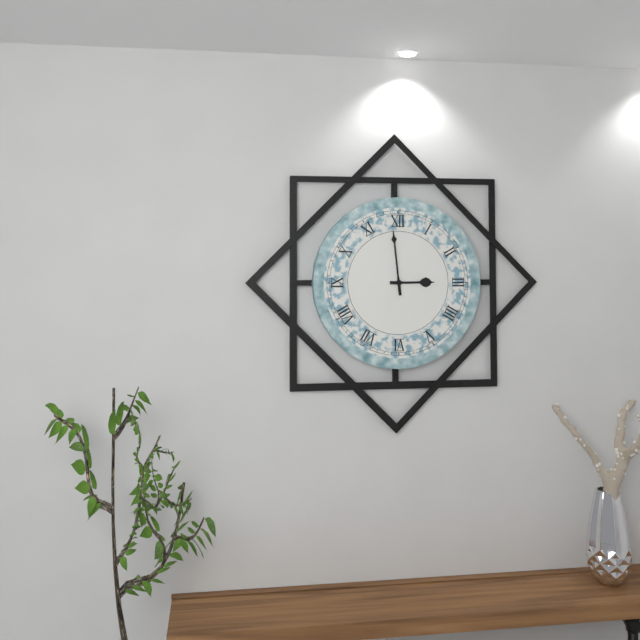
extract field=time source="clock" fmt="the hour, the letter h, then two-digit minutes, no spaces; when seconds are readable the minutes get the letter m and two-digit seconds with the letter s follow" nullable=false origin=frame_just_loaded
2h59
